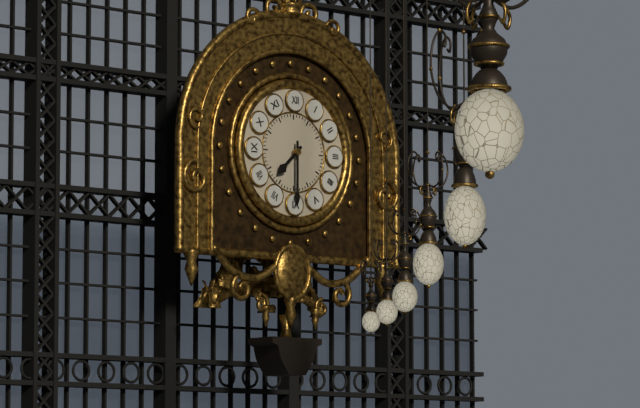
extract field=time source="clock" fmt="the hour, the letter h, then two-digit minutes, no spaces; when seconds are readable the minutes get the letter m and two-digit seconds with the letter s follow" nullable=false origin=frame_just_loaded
7h30
